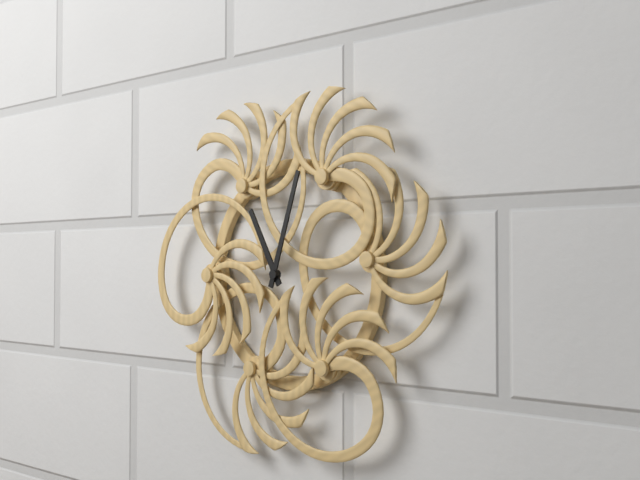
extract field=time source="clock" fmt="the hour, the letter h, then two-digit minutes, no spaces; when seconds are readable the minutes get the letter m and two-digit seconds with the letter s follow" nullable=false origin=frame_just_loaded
11h03
